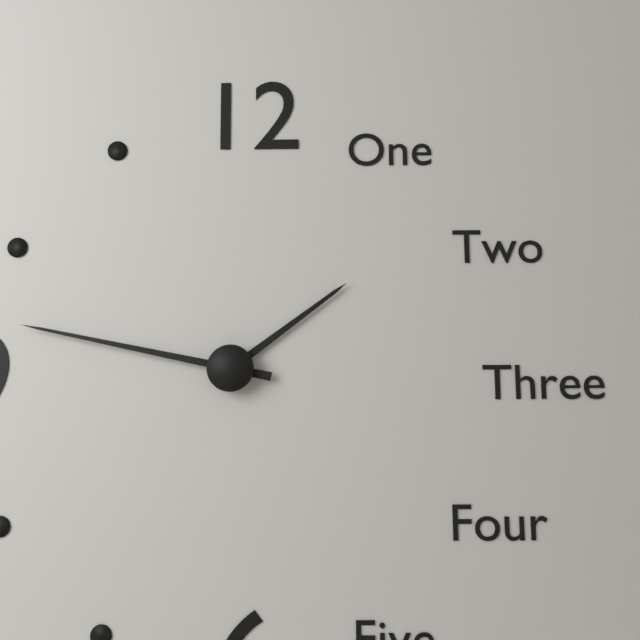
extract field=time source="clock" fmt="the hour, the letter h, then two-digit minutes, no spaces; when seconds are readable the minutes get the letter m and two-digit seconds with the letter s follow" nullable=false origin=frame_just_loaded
1h47
